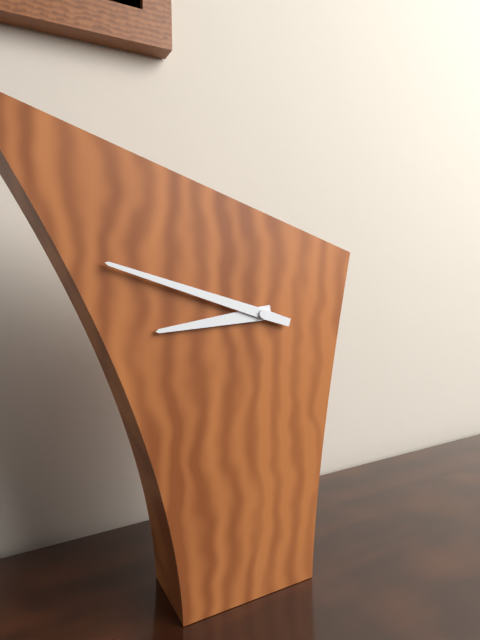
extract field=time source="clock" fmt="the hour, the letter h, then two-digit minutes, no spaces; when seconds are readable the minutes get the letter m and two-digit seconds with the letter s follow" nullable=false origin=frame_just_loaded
8h48
